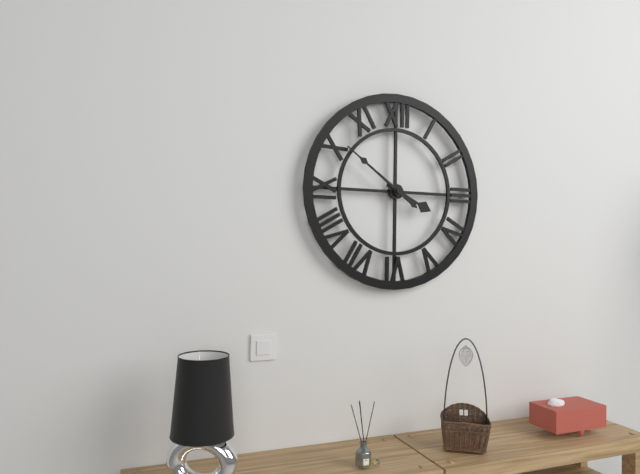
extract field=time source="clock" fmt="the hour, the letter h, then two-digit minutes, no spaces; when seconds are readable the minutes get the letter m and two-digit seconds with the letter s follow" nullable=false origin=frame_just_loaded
3h51
